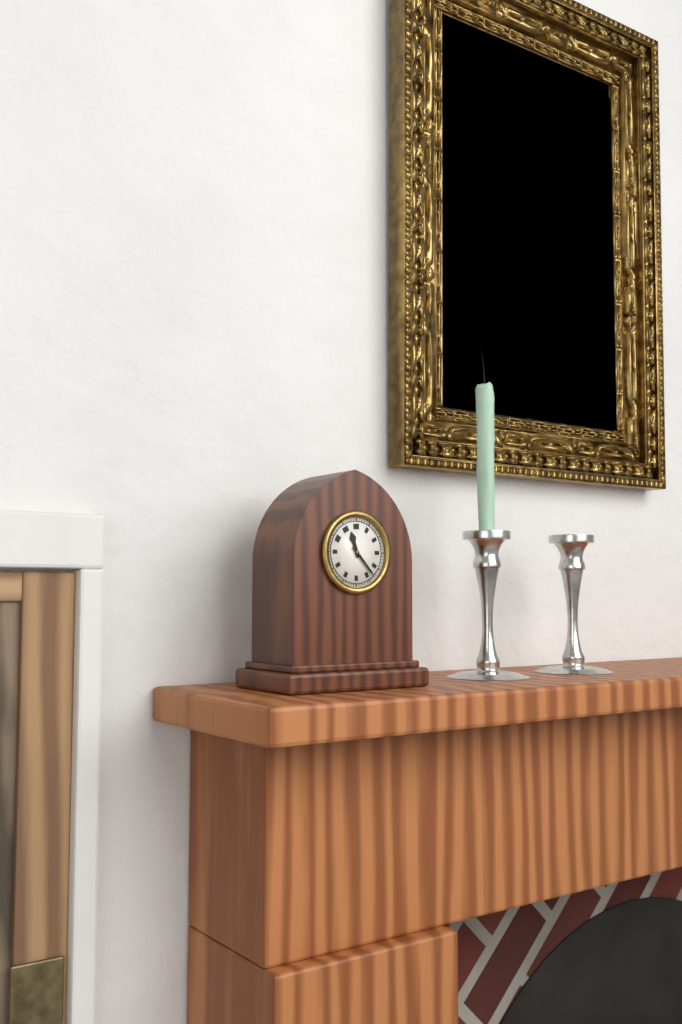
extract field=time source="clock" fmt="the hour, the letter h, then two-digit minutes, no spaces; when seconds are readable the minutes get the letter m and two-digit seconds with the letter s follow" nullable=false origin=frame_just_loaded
11h23
